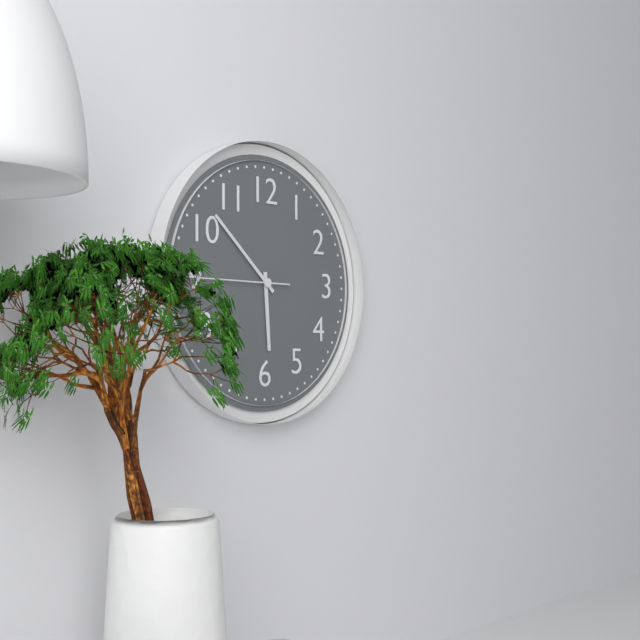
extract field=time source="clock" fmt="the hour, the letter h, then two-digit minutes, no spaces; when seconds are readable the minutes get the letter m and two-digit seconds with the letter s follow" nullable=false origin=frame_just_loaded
5h52
